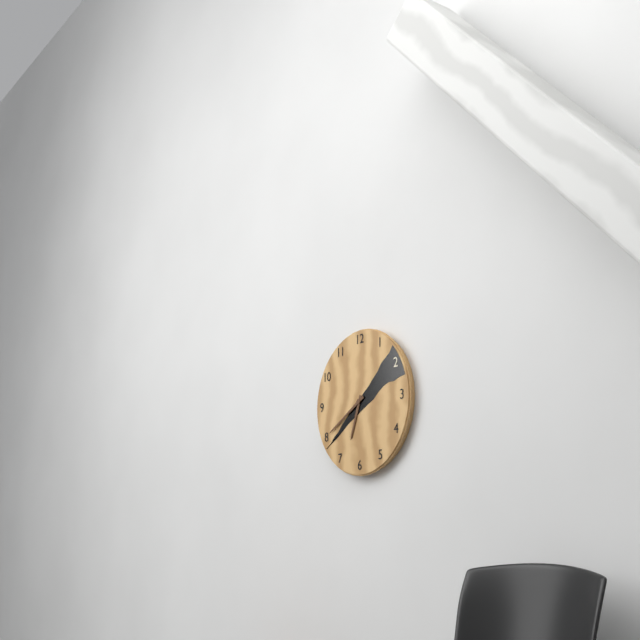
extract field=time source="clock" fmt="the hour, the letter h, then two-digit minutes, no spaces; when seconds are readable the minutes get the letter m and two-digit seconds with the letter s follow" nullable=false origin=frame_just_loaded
6h40
